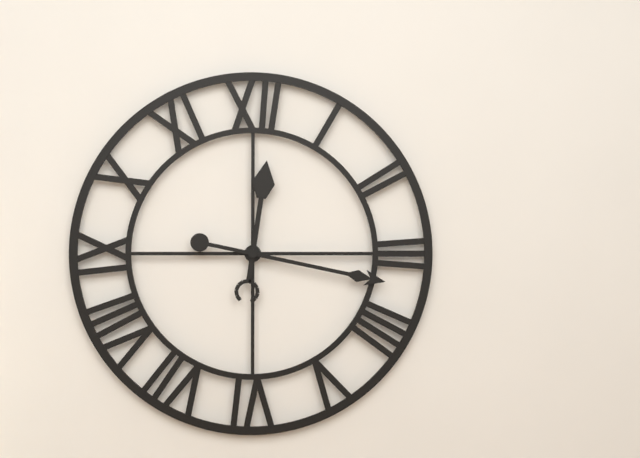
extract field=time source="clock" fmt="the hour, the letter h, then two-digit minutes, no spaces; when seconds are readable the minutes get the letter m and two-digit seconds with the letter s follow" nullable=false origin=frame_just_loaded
12h17
